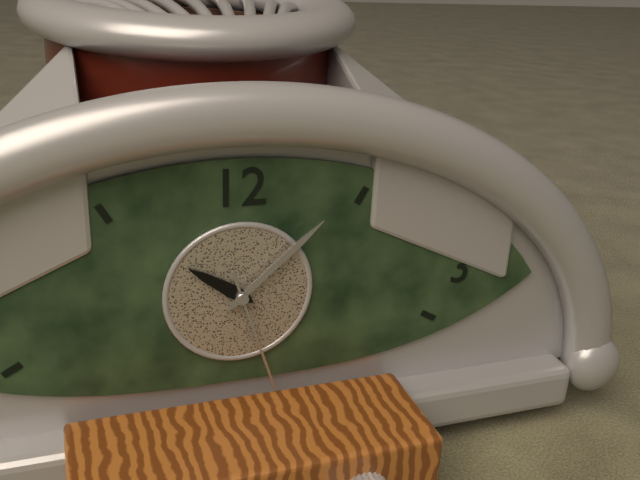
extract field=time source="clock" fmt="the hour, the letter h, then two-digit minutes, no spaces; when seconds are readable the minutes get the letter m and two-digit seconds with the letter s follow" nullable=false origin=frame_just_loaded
10h08m27s
